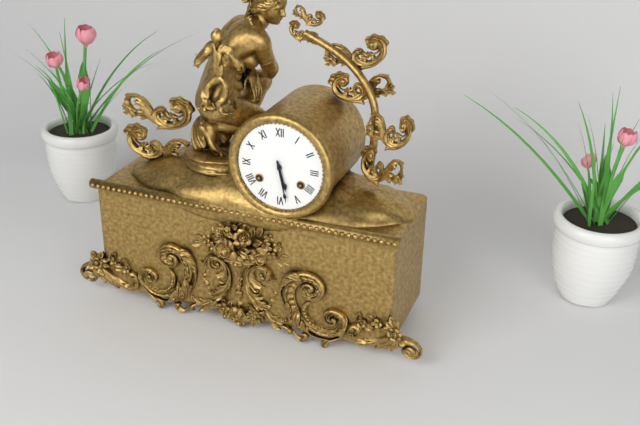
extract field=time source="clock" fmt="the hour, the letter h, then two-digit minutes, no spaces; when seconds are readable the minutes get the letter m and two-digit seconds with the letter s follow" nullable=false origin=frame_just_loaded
5h28
